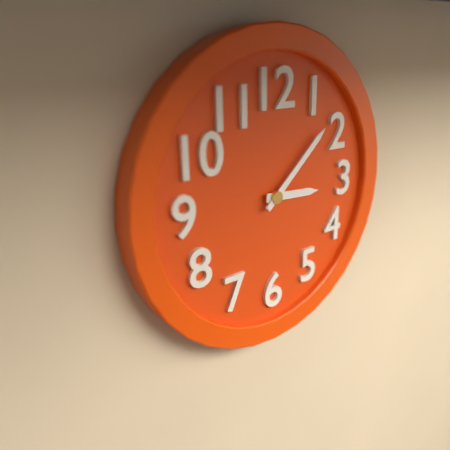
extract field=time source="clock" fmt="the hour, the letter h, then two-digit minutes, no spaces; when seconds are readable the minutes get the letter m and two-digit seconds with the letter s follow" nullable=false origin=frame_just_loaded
3h08
